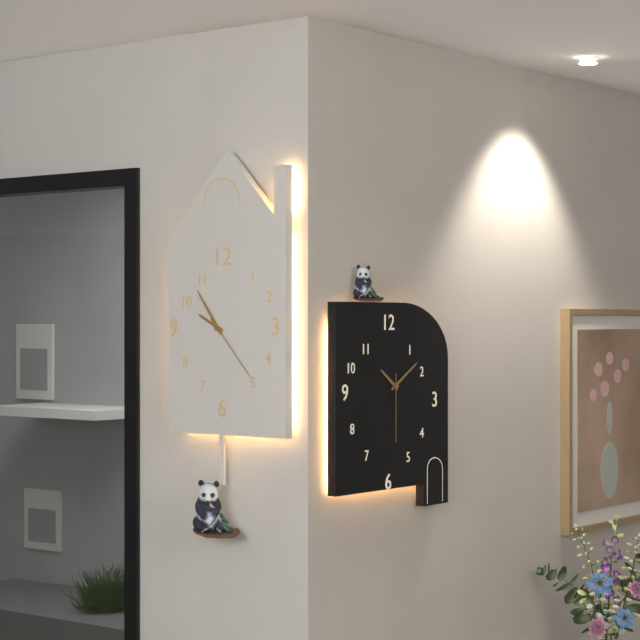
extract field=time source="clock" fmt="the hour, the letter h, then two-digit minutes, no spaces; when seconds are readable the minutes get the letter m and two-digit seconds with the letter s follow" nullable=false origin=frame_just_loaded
9h54m23s
